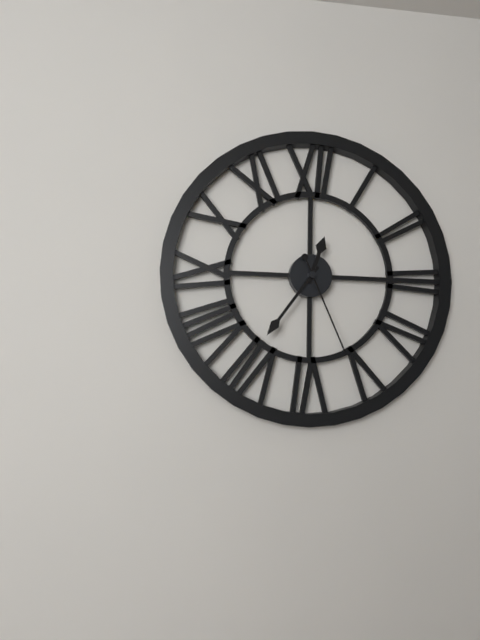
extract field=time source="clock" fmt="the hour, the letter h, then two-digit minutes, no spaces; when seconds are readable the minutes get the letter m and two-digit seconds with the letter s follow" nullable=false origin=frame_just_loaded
12h36m26s
